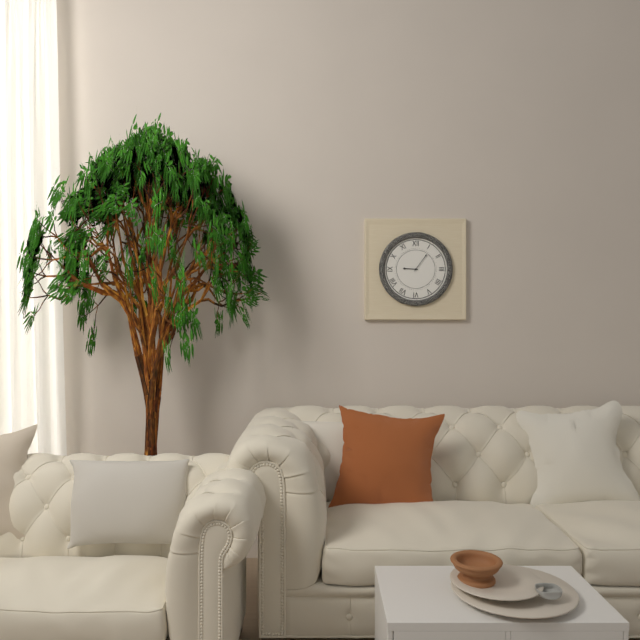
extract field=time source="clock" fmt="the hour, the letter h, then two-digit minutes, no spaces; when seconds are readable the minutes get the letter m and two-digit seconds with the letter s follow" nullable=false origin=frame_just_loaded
9h06
